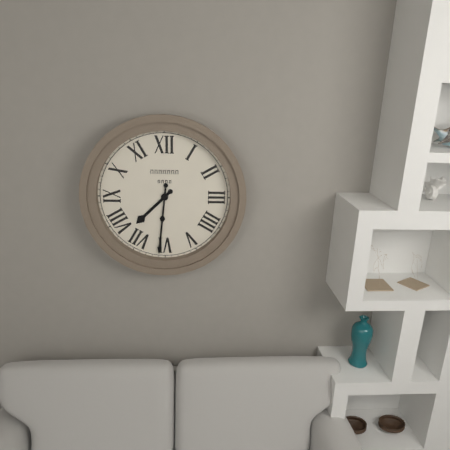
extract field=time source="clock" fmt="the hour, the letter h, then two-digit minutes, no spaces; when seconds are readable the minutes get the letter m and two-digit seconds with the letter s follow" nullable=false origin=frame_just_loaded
7h31
